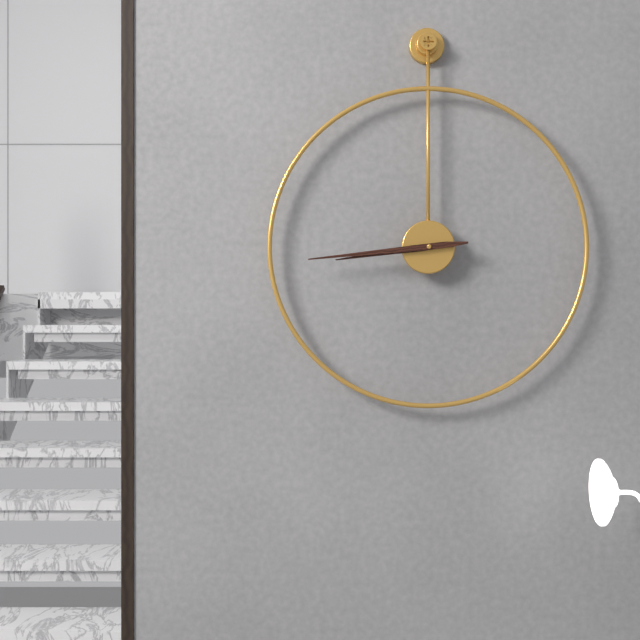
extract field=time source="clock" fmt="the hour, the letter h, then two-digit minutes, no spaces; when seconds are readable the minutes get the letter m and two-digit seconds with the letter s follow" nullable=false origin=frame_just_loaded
8h44
